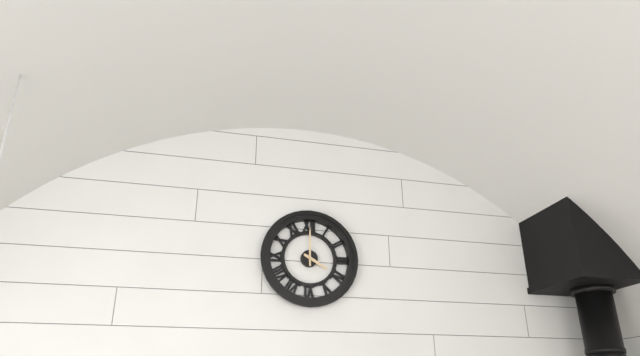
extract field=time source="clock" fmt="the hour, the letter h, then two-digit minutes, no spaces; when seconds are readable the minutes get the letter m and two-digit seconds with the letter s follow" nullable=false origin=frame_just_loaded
4h00
